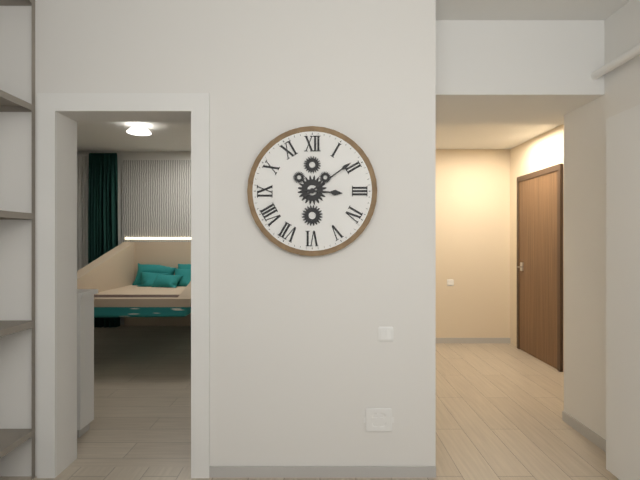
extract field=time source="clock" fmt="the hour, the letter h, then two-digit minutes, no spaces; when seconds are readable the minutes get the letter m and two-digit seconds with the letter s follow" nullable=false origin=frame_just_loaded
3h09
